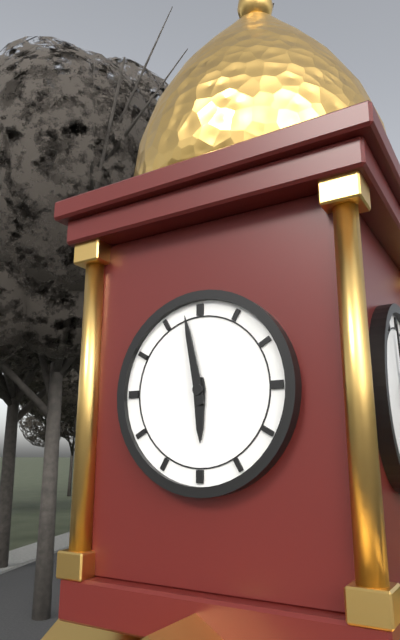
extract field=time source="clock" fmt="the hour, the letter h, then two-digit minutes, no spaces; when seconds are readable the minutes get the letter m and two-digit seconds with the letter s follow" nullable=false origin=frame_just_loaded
5h58
